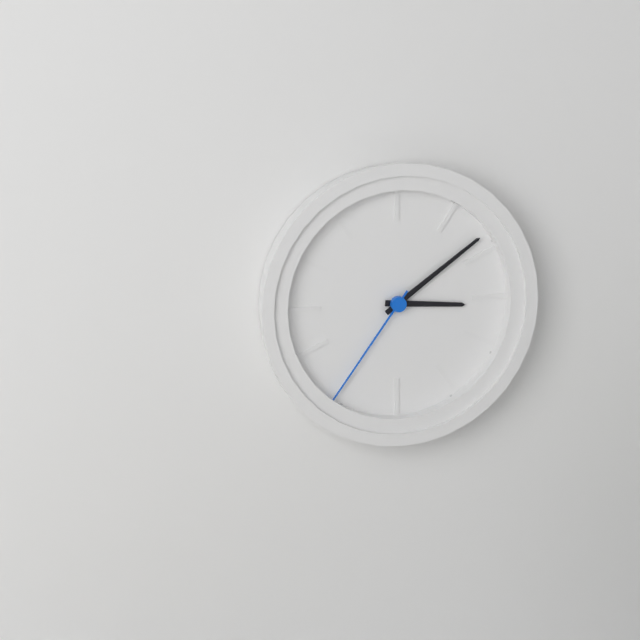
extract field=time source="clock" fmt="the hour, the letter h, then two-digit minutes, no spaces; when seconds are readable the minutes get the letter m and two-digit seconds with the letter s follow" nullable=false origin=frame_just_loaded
3h09m36s
